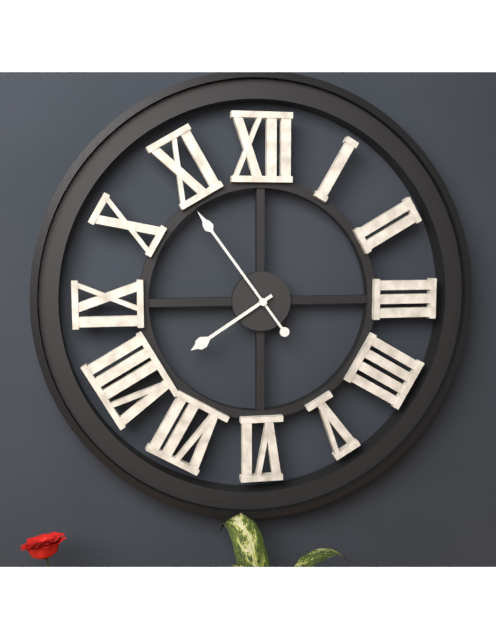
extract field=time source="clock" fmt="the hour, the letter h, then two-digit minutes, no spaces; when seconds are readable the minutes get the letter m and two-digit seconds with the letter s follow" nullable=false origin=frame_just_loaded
7h54
